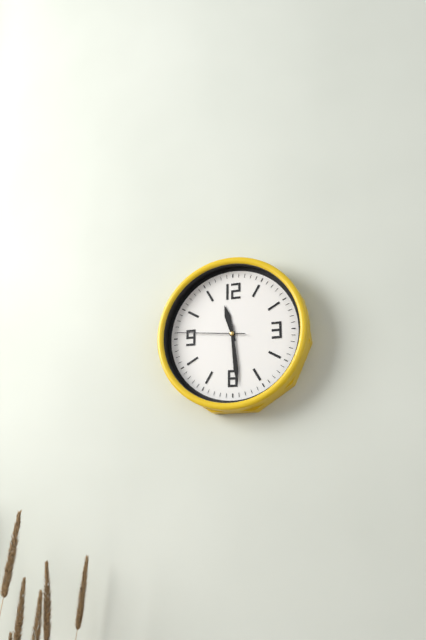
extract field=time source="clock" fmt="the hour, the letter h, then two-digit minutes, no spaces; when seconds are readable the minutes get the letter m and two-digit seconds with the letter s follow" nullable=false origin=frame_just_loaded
11h29m46s
